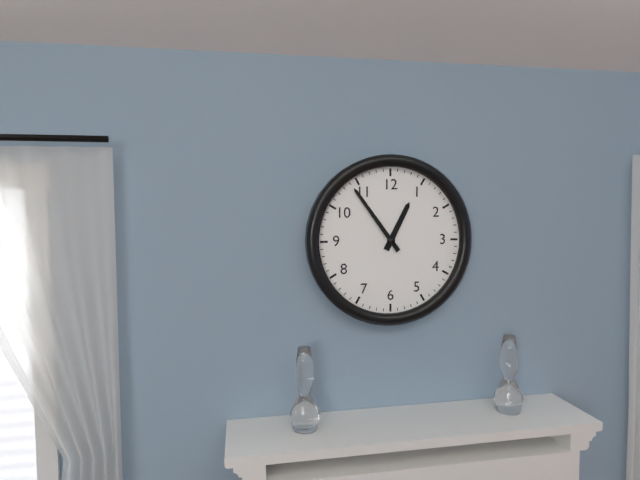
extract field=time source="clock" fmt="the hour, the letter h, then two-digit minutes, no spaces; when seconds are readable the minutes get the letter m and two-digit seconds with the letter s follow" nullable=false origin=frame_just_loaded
12h54
